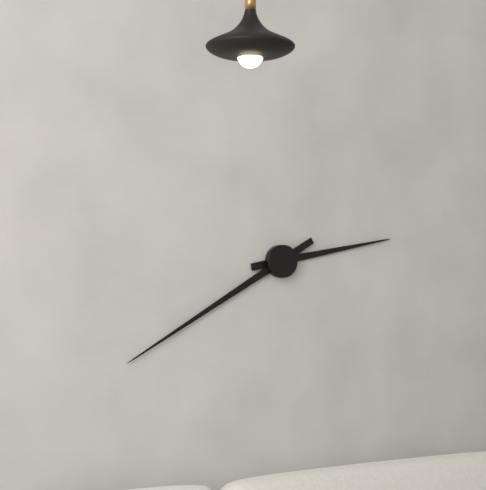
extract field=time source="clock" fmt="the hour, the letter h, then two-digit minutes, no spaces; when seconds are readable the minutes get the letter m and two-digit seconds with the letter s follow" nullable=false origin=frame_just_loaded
2h40
